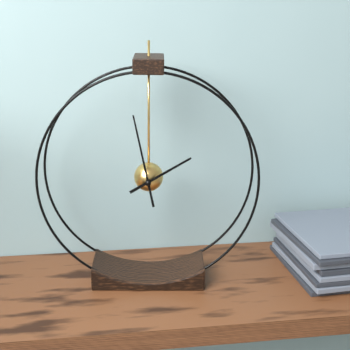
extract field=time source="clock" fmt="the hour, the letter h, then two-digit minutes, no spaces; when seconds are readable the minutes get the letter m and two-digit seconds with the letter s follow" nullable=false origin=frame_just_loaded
1h58
